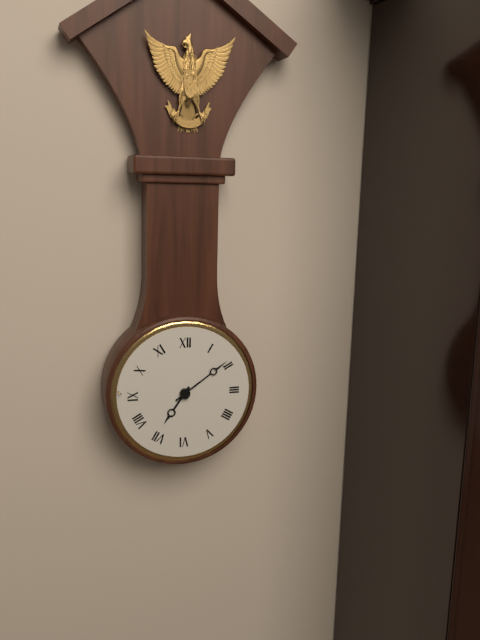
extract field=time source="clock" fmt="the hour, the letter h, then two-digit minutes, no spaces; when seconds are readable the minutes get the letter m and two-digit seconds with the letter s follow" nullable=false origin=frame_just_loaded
7h09
